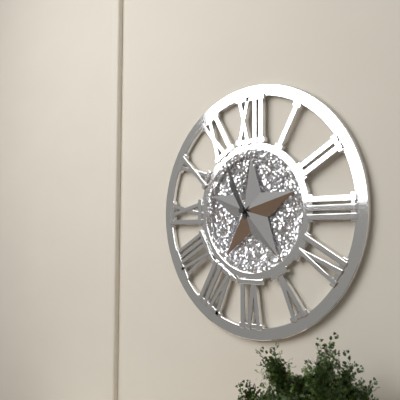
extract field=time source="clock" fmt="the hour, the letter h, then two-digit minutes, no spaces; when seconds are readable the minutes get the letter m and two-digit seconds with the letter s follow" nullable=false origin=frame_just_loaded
10h56
